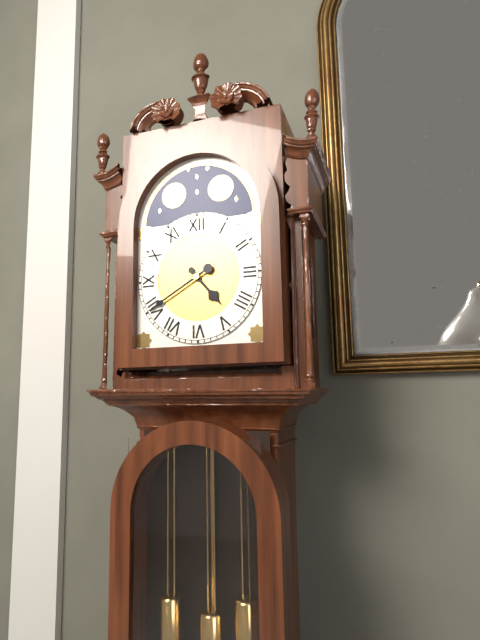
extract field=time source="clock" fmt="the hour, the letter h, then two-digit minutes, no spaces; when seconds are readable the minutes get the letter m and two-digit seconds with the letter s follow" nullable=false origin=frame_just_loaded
4h40
